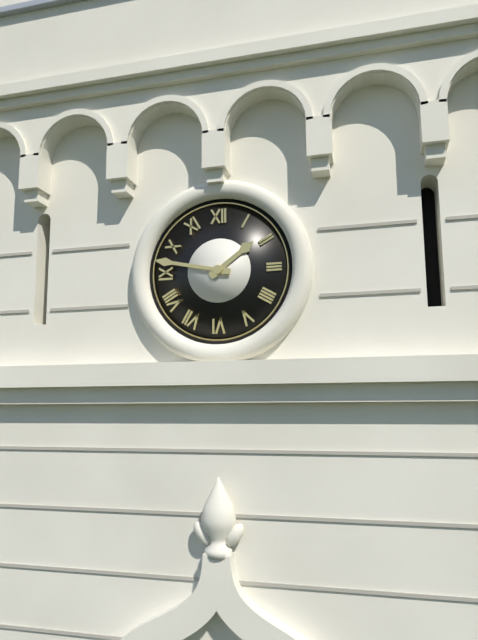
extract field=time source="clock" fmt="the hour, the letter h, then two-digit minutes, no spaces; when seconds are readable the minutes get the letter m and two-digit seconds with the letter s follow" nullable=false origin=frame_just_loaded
1h47
